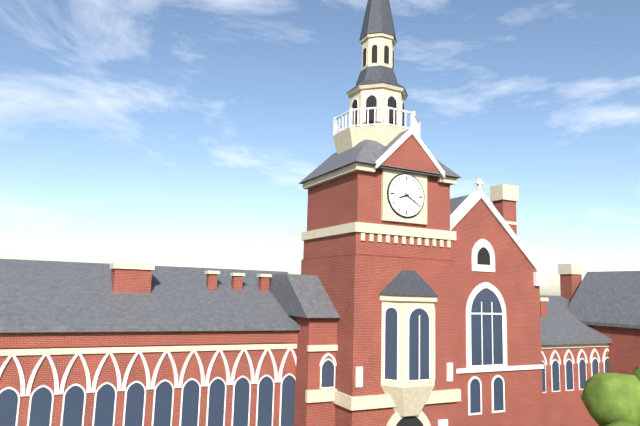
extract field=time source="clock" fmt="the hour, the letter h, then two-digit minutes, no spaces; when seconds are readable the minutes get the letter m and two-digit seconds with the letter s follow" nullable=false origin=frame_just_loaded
8h20
